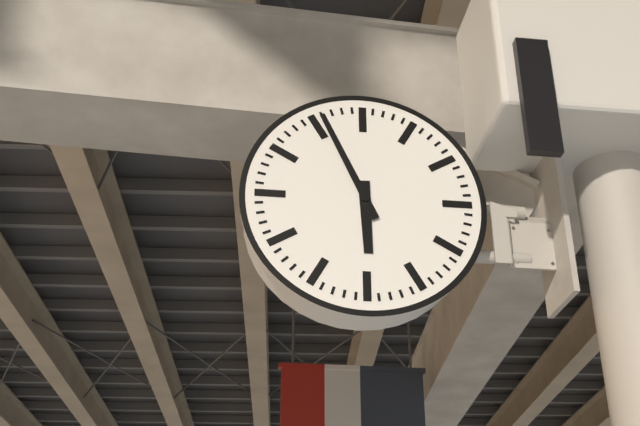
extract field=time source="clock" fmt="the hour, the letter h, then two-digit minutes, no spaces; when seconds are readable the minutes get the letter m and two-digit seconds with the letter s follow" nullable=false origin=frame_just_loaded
5h56
